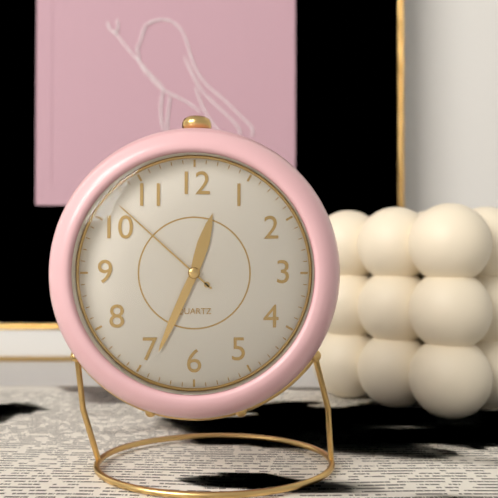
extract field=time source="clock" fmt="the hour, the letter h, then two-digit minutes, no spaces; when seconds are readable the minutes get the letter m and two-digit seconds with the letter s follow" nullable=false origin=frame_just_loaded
12h34m52s
